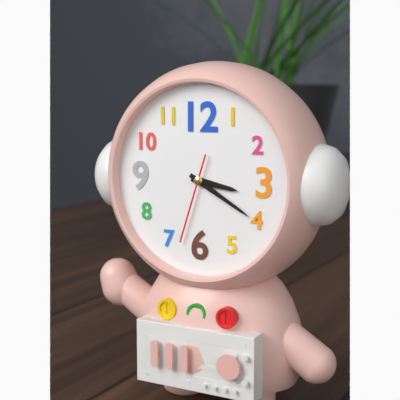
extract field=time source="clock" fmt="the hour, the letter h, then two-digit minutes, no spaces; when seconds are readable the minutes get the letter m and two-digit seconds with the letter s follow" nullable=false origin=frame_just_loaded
3h20m33s
